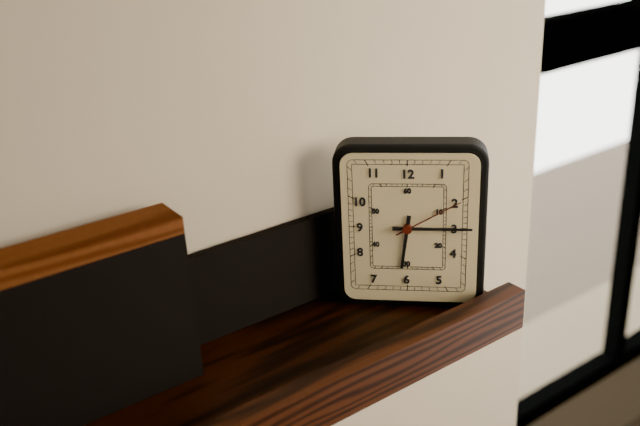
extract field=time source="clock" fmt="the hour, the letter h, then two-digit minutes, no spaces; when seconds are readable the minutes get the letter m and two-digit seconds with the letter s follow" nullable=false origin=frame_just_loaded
6h15m10s
